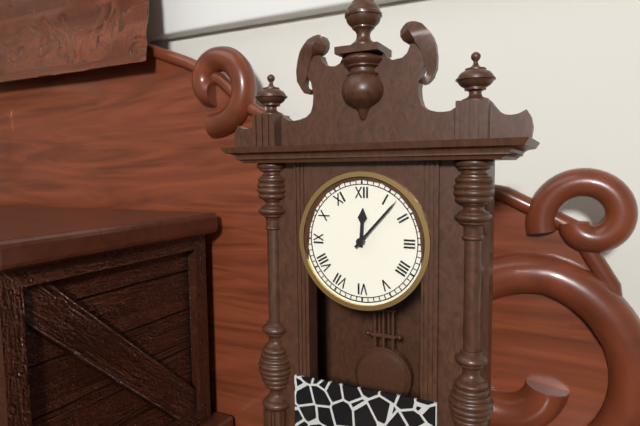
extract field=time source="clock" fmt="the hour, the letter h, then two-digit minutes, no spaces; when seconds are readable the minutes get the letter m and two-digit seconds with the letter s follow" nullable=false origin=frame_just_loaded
12h07
